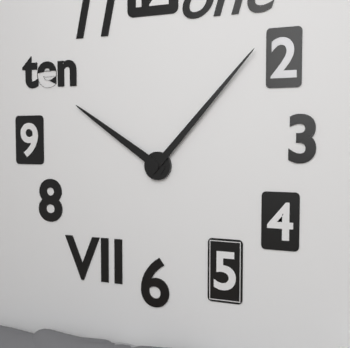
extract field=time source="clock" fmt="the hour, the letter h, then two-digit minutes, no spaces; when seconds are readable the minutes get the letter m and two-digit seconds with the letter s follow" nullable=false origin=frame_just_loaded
10h07
